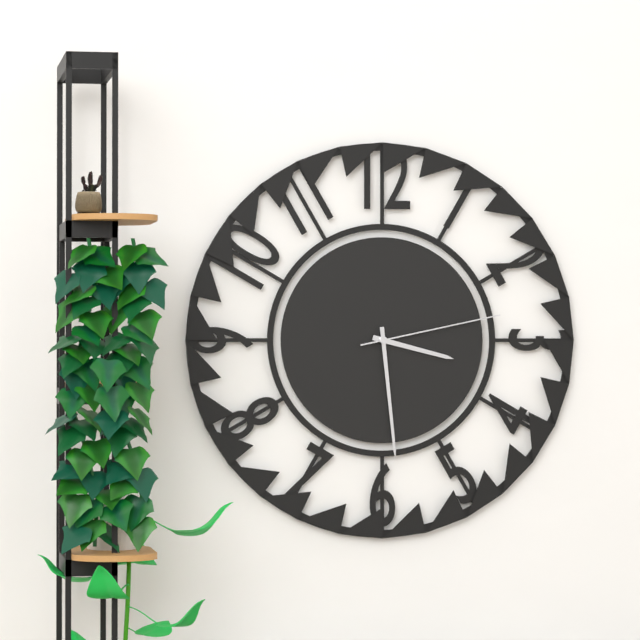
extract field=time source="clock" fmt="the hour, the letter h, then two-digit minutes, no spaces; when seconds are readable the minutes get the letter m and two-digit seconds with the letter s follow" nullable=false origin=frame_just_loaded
3h29m13s
